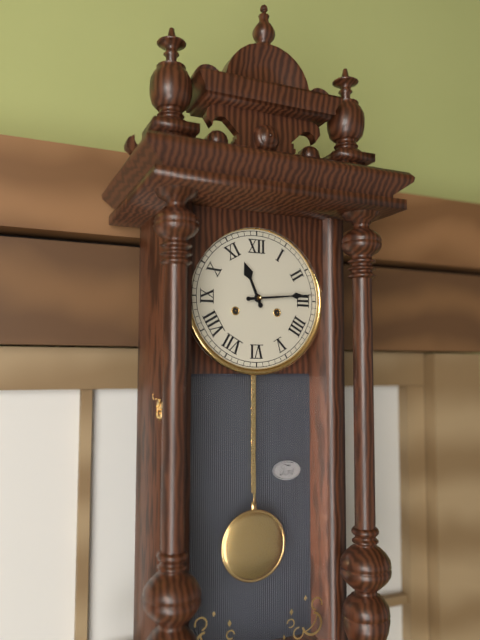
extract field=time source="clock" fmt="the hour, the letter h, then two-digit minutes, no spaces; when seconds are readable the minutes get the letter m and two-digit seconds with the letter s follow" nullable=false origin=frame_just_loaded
11h14
